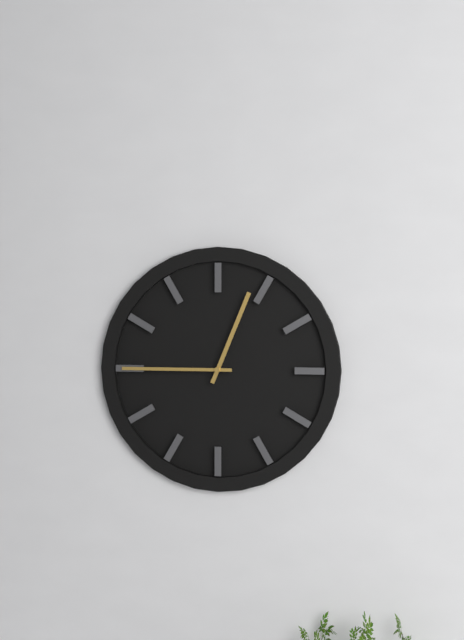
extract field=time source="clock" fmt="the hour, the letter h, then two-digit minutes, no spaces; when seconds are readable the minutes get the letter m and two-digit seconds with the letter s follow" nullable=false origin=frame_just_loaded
12h45
